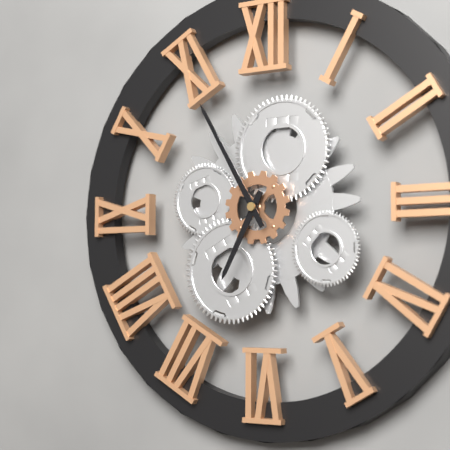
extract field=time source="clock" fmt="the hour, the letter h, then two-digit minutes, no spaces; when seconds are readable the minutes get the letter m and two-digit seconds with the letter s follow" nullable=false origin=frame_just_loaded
6h55
